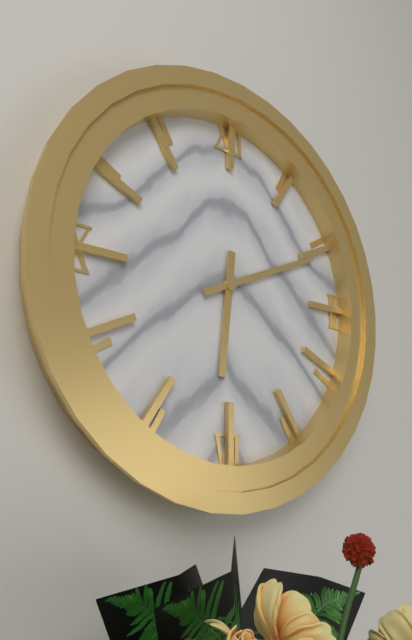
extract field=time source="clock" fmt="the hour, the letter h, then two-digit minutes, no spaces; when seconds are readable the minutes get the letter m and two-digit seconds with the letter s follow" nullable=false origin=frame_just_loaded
6h11
